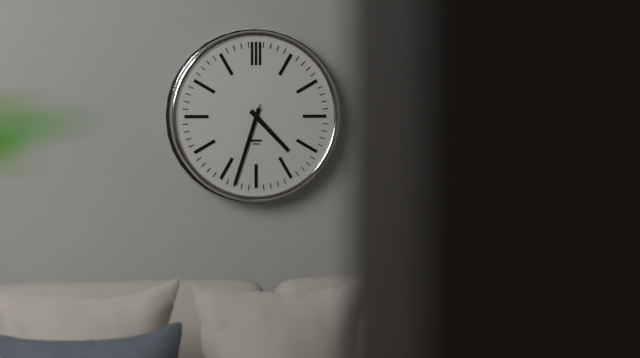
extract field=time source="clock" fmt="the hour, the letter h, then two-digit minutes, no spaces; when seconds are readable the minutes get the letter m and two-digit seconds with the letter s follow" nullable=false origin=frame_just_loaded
4h33m33s
